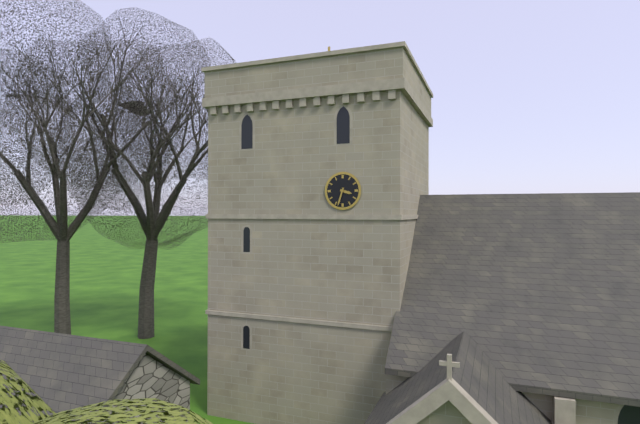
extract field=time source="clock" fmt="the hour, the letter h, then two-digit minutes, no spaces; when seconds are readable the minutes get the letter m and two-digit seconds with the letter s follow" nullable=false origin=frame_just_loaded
3h33
